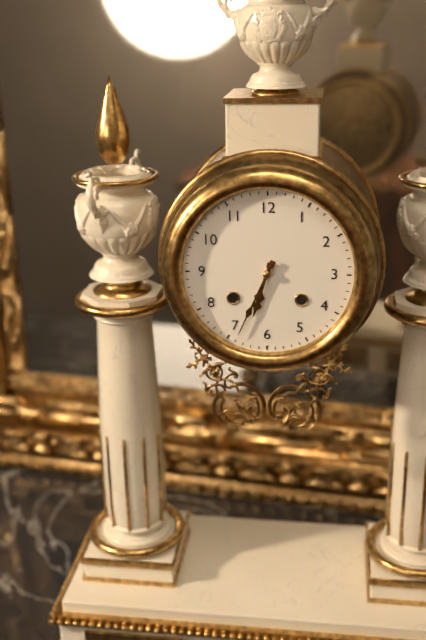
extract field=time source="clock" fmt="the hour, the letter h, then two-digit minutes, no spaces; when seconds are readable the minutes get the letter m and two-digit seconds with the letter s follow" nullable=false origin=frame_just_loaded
6h34
